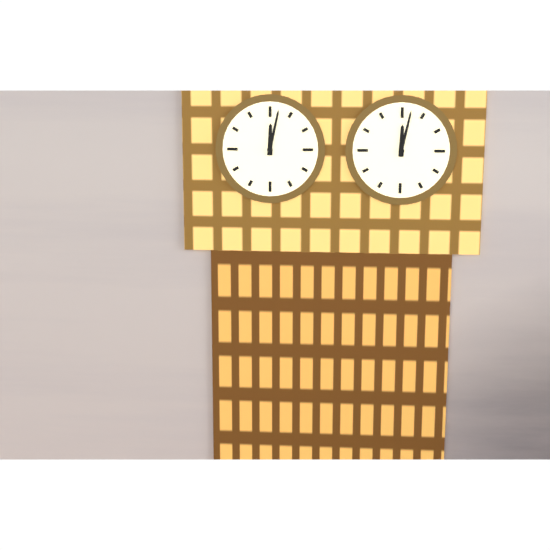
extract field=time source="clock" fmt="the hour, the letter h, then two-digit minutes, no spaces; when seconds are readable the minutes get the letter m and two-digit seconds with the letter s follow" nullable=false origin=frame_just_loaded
12h02
